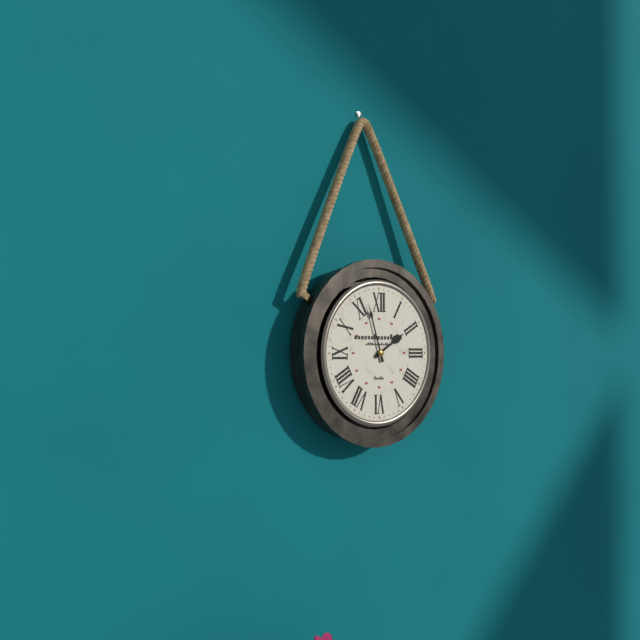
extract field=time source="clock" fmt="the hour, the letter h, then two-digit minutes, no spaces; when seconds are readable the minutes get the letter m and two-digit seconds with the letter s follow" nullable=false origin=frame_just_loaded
1h57
